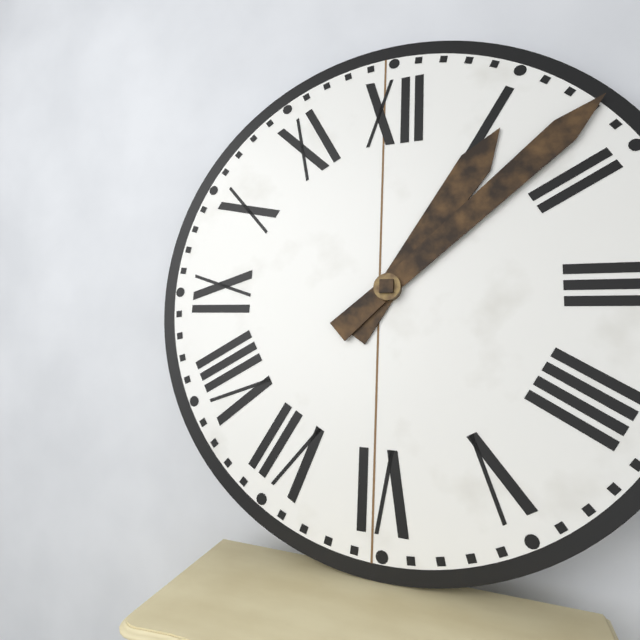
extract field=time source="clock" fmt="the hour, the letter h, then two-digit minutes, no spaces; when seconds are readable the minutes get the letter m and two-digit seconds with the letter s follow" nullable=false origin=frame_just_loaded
1h08
